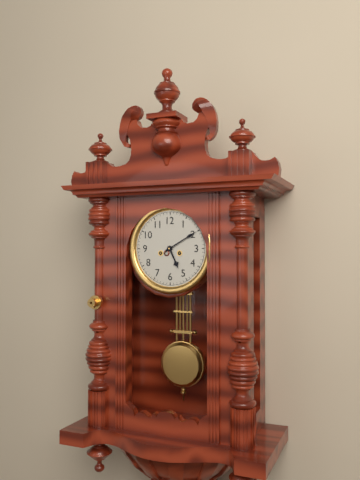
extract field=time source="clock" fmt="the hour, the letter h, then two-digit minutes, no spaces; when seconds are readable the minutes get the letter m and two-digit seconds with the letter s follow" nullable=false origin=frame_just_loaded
5h10
